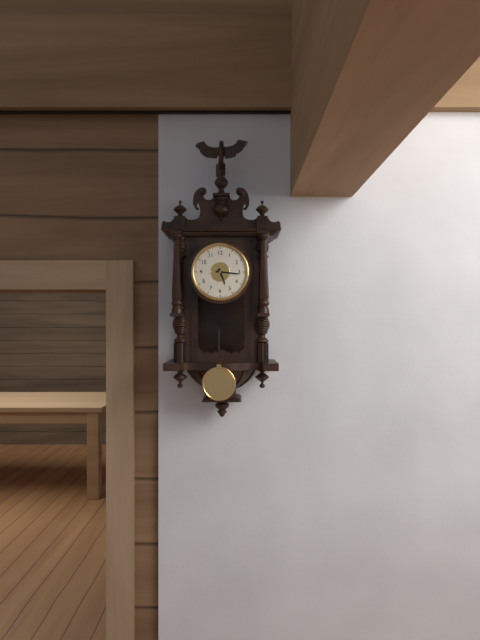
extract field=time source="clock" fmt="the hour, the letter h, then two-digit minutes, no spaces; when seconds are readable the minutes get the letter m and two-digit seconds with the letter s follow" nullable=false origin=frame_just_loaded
5h16
